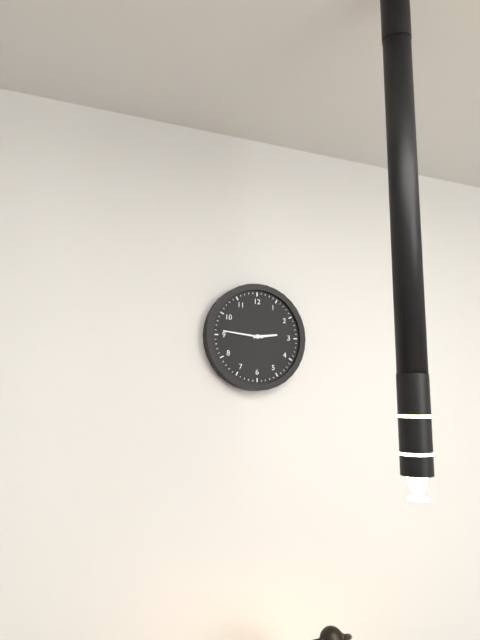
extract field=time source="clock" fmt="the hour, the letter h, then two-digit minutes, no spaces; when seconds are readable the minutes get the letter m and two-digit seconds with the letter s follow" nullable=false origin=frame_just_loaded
2h46
